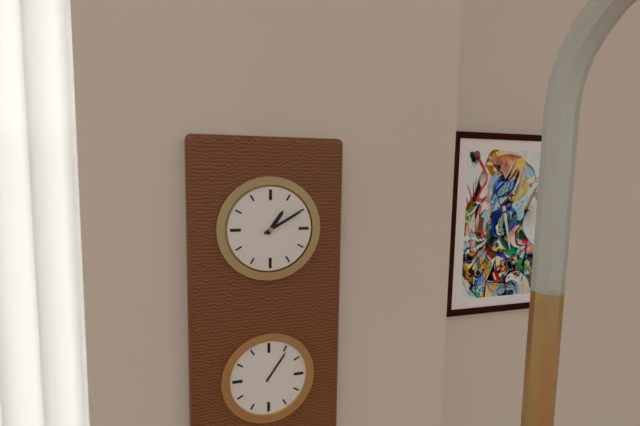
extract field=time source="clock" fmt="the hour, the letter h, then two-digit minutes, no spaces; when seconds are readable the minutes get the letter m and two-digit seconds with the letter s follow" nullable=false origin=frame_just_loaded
1h10
